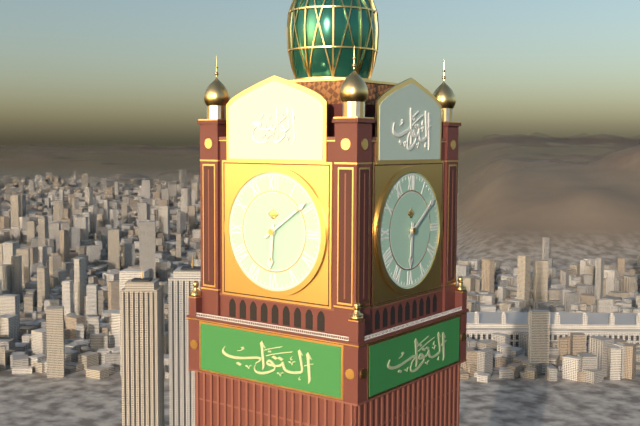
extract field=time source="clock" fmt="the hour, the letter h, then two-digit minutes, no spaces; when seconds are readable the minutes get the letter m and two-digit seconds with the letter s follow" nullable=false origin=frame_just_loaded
6h09
